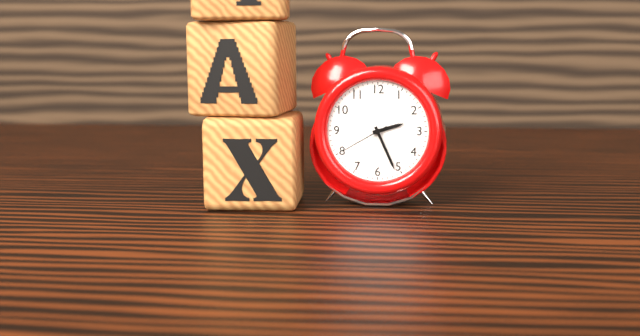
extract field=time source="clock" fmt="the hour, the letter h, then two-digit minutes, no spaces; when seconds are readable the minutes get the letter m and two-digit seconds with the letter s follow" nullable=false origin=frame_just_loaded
2h26
